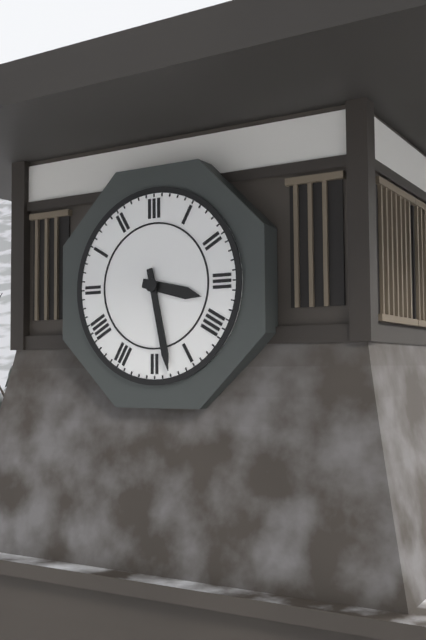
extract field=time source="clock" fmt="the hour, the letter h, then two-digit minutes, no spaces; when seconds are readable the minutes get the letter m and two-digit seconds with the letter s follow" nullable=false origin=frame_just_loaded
3h28
